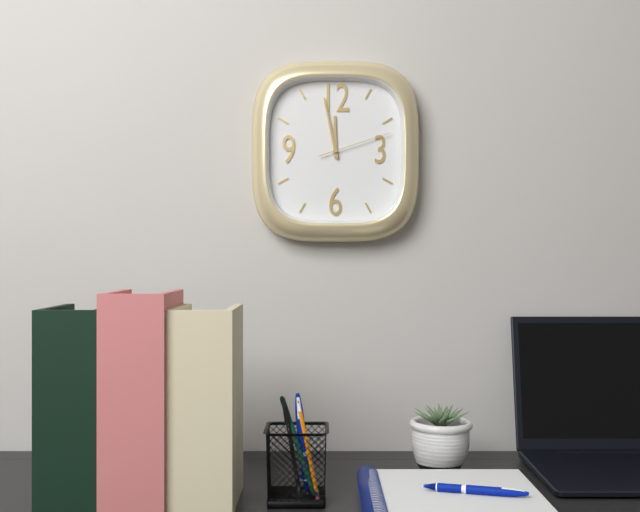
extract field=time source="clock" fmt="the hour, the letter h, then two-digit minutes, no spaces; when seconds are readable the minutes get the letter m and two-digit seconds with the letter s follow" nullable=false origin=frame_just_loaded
11h58m12s
